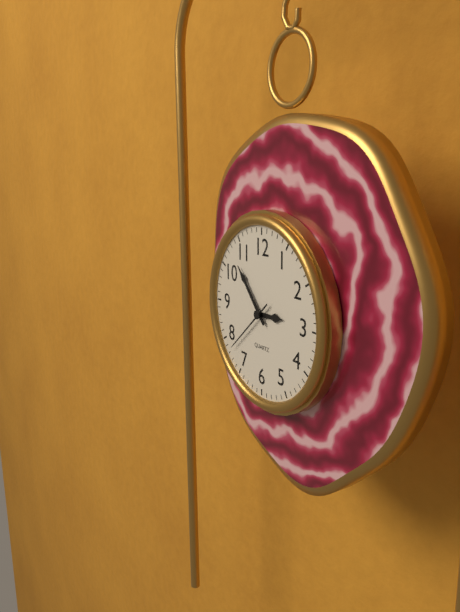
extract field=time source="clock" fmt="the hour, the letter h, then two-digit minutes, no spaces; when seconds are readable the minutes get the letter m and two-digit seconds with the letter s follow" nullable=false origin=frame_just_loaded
2h53m38s
